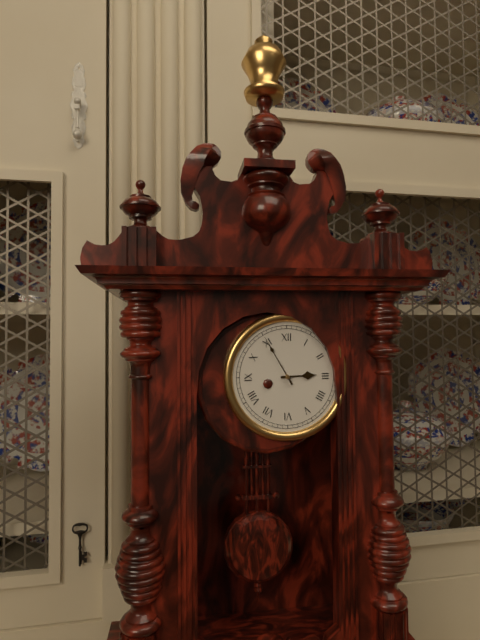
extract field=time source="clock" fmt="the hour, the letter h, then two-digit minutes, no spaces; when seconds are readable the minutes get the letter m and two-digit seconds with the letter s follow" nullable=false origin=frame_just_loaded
2h55
